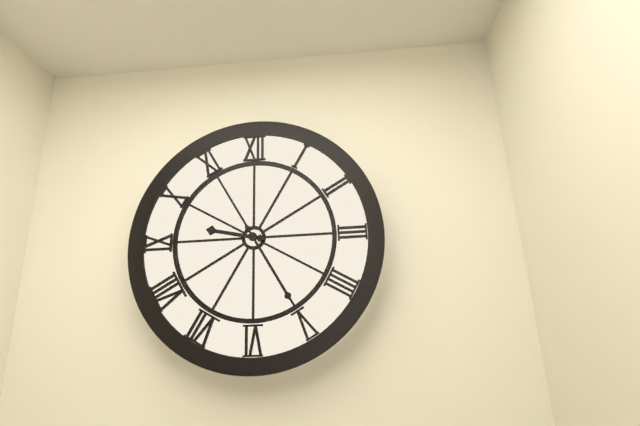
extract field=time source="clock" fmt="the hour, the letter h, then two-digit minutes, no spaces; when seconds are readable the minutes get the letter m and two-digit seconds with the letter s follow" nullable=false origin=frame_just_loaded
9h25
